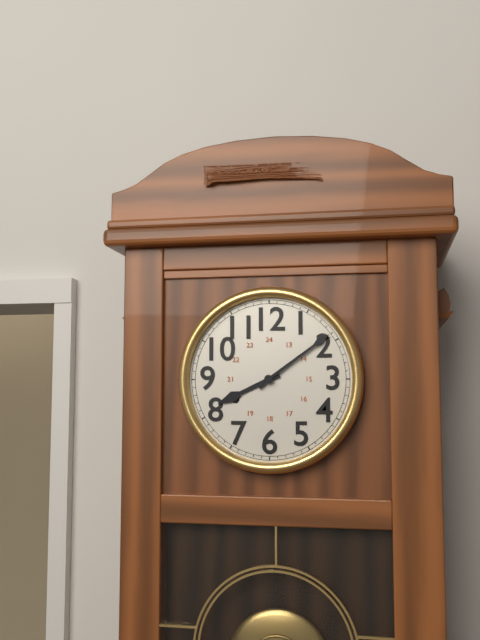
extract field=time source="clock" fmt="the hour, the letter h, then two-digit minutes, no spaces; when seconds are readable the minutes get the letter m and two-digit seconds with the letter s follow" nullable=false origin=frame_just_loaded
8h09
